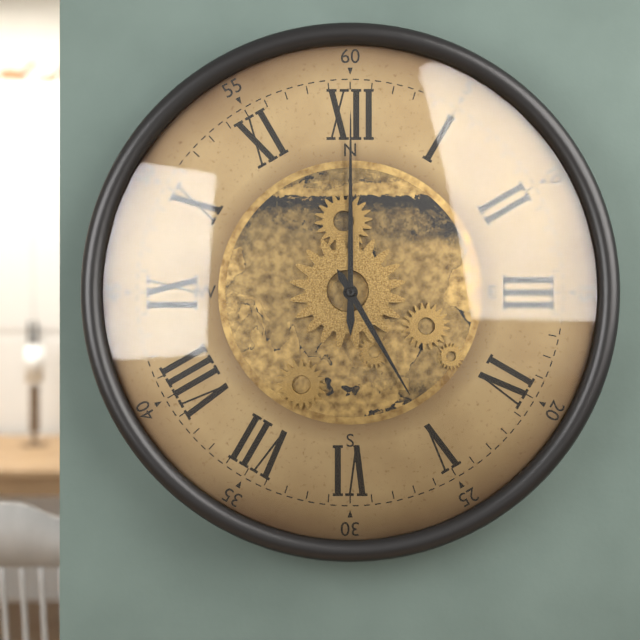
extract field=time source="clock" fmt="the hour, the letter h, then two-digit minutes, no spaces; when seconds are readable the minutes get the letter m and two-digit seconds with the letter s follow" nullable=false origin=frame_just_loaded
5h00
